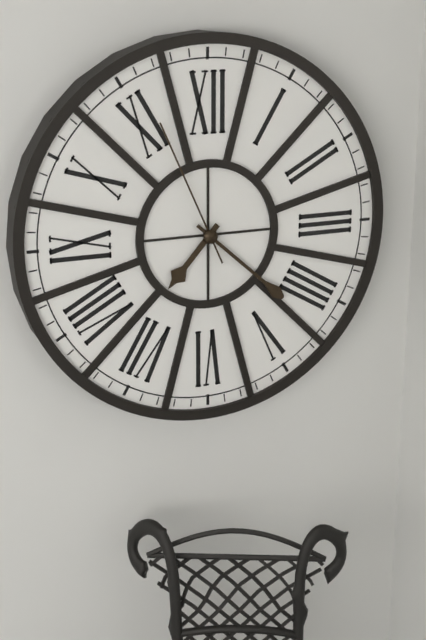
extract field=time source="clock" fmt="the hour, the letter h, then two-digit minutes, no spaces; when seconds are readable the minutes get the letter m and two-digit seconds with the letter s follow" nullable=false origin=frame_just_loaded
7h22m56s
